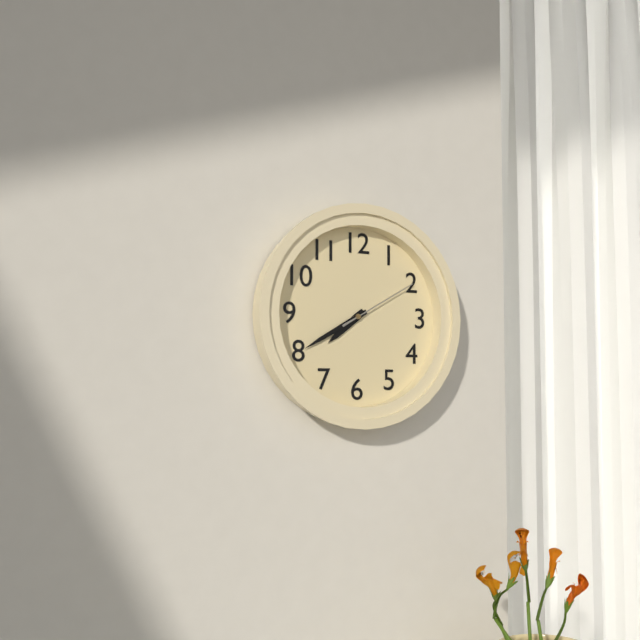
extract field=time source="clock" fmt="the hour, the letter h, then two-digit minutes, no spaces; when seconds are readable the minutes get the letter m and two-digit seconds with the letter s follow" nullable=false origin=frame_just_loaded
7h40m10s
